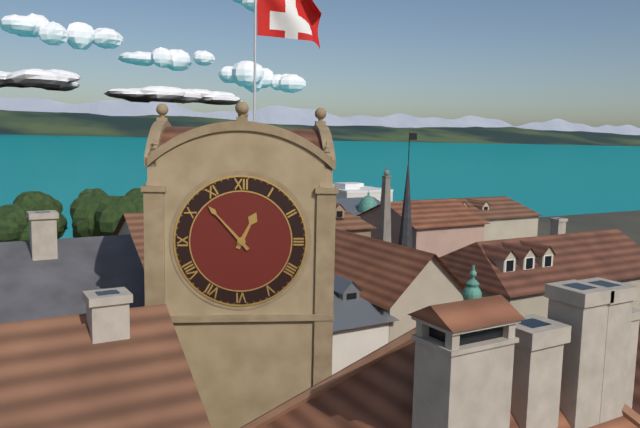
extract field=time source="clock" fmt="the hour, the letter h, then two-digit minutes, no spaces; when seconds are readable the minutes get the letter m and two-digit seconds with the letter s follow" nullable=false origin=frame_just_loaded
12h53
